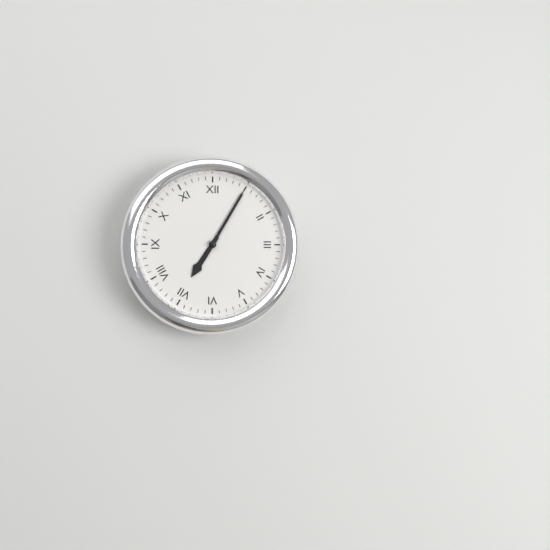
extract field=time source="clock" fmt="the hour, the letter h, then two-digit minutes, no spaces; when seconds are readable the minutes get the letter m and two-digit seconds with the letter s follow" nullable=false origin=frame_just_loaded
7h05
